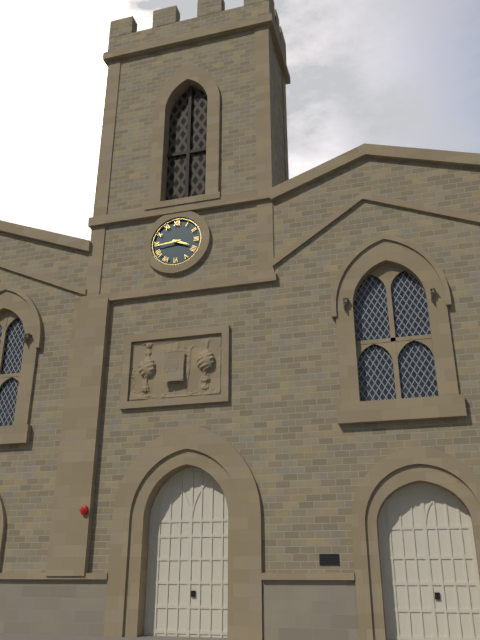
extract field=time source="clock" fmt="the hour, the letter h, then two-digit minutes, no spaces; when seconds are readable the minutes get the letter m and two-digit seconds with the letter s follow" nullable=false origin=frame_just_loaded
3h44
